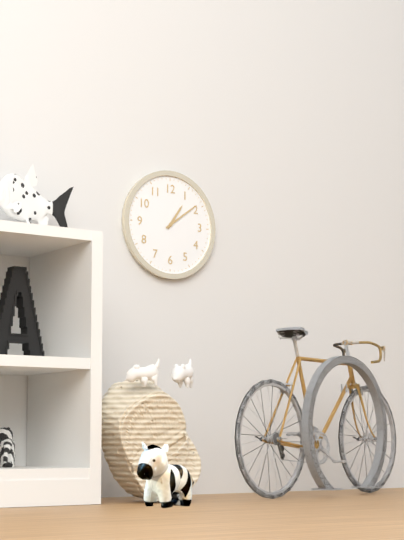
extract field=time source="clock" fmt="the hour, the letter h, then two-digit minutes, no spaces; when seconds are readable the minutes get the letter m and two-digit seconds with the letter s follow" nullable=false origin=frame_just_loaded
1h09
